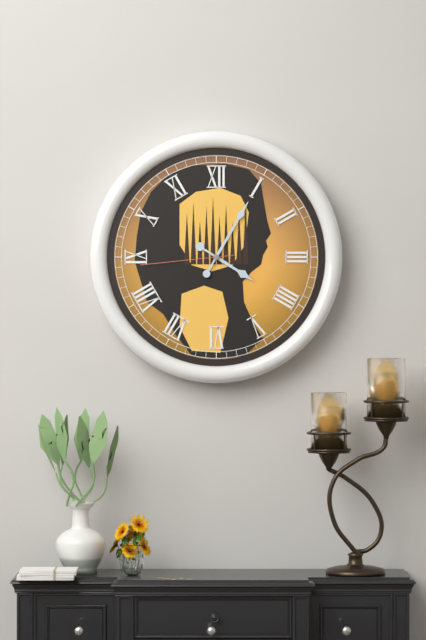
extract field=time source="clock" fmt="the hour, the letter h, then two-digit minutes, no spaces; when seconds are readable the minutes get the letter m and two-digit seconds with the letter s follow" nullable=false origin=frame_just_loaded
4h05m44s
